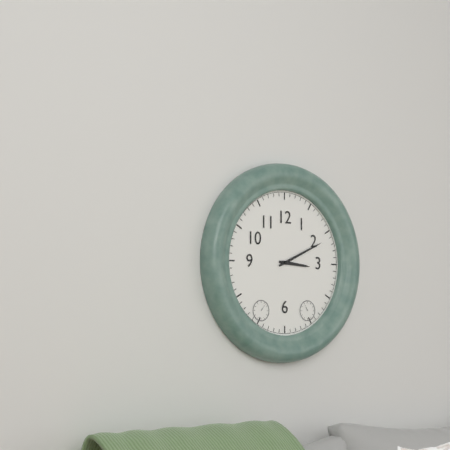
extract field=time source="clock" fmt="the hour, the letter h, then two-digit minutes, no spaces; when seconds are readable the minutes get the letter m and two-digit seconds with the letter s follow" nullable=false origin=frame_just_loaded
3h11
